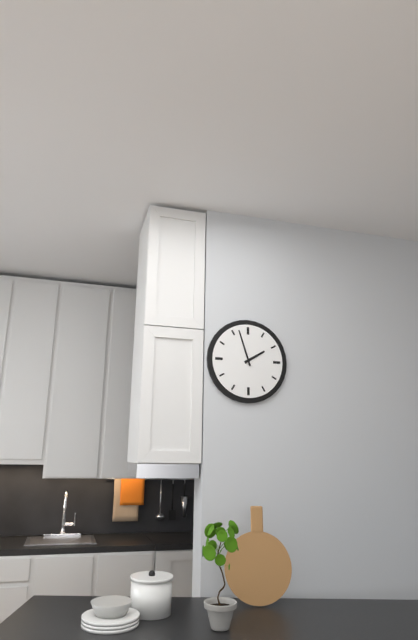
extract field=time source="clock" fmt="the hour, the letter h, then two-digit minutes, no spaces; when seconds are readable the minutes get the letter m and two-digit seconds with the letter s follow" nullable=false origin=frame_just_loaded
1h57
